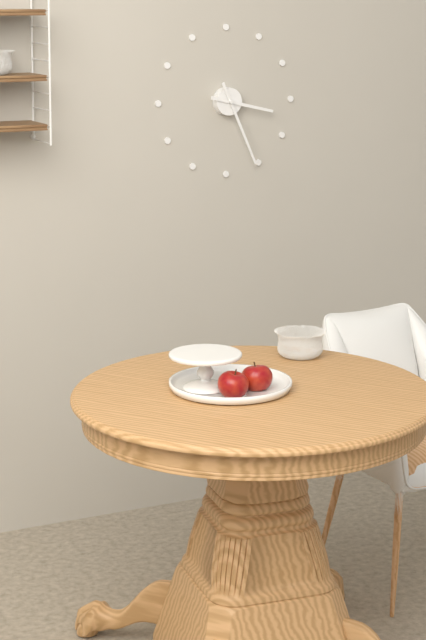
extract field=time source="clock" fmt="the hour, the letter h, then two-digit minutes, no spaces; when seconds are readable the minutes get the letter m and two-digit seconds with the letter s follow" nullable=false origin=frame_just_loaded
3h26
